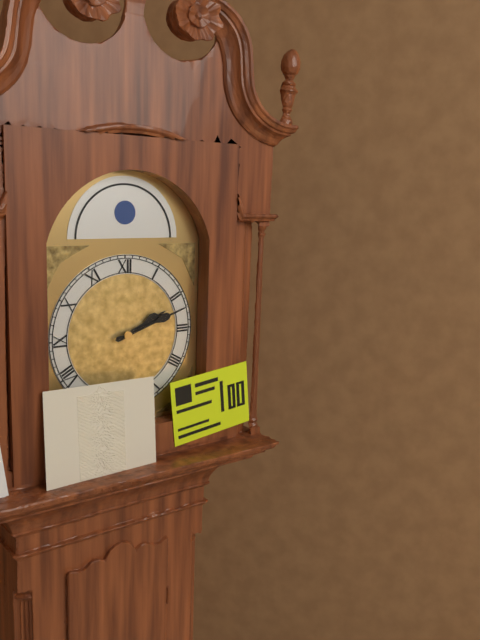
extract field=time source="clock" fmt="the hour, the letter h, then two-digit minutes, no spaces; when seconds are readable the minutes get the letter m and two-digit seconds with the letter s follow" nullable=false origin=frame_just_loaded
2h12
